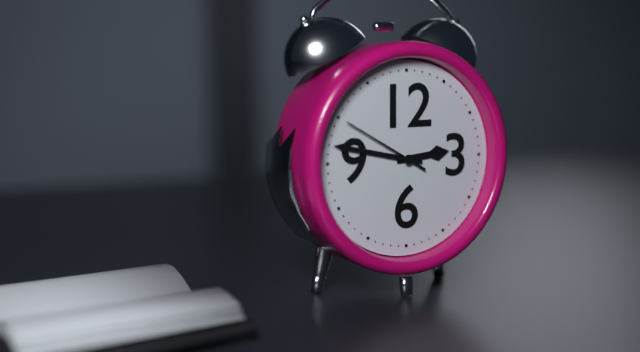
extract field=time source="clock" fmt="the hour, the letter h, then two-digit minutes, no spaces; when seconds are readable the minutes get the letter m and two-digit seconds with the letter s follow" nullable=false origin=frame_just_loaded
2h47m50s
